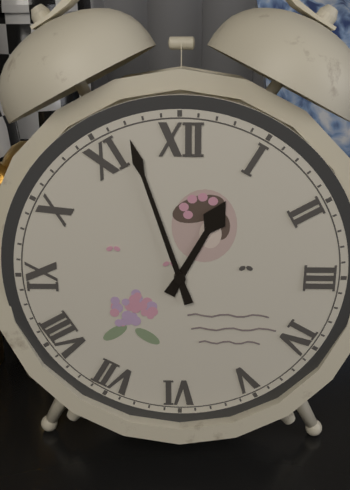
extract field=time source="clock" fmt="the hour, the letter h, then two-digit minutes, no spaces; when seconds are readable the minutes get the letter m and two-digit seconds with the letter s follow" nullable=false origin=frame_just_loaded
12h57
